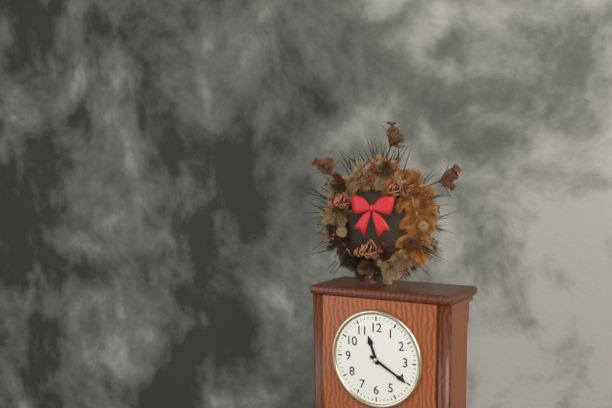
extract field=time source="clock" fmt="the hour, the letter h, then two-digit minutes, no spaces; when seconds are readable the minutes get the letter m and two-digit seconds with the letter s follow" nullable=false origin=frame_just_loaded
11h20
